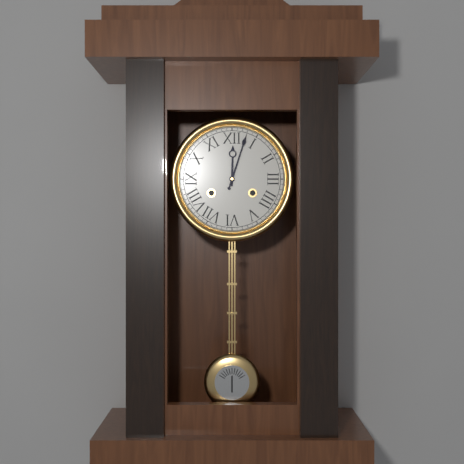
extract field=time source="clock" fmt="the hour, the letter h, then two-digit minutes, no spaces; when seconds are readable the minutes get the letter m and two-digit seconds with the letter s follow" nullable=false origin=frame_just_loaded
12h03
